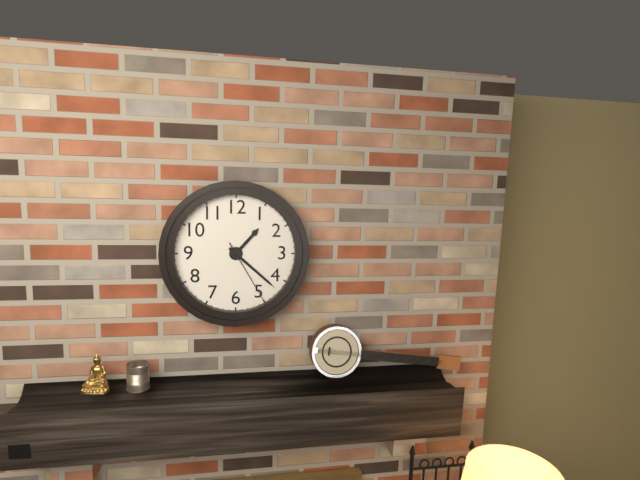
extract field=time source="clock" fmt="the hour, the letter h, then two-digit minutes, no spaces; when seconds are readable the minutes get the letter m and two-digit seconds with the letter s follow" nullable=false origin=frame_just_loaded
1h22m25s
